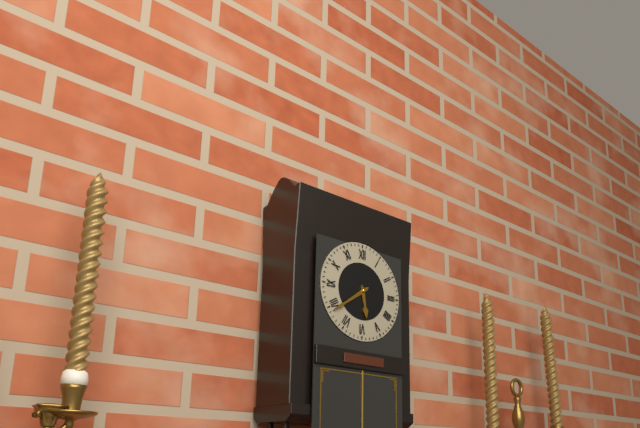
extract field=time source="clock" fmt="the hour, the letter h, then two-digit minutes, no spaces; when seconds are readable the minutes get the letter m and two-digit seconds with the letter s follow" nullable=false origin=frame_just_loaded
5h39
